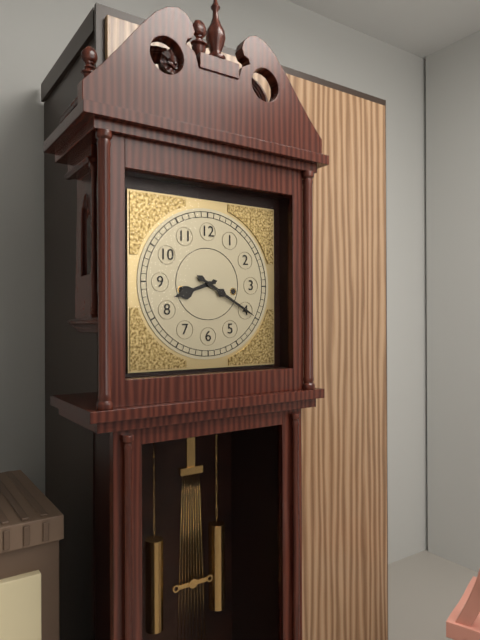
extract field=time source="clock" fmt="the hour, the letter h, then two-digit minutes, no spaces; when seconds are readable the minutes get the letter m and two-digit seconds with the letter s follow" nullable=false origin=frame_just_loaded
8h20
